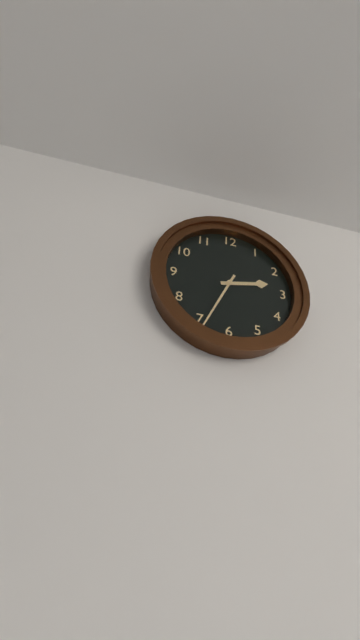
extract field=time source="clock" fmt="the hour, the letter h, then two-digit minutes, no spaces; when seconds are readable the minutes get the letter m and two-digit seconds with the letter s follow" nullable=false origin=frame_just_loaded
2h34
